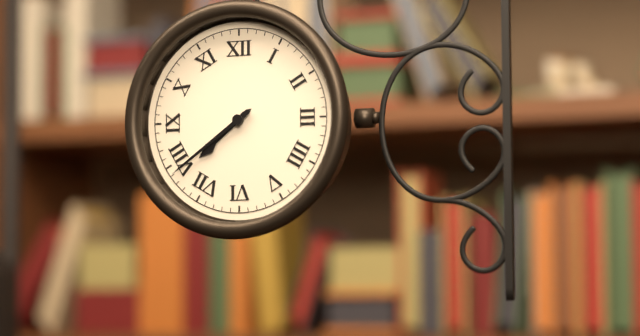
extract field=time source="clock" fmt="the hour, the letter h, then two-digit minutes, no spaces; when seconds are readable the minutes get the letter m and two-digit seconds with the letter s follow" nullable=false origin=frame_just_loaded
7h39
